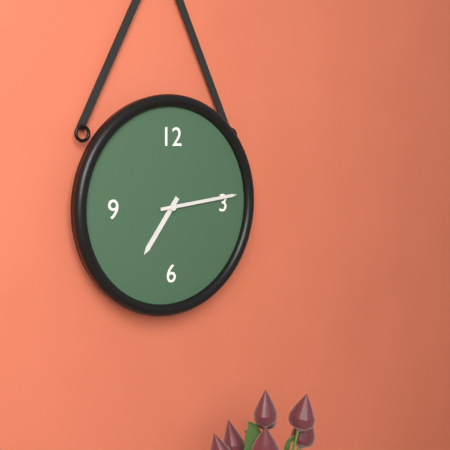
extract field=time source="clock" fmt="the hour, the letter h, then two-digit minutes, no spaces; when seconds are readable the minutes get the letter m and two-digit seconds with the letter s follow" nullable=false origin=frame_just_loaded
7h14
